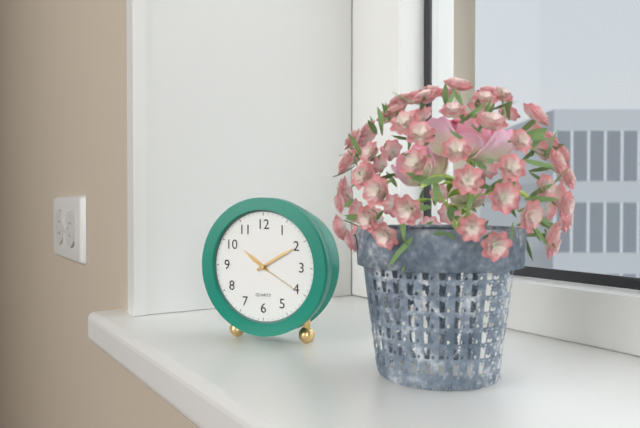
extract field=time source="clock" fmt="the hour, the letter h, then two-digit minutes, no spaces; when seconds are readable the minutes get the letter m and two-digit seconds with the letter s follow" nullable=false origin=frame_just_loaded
10h10m20s
